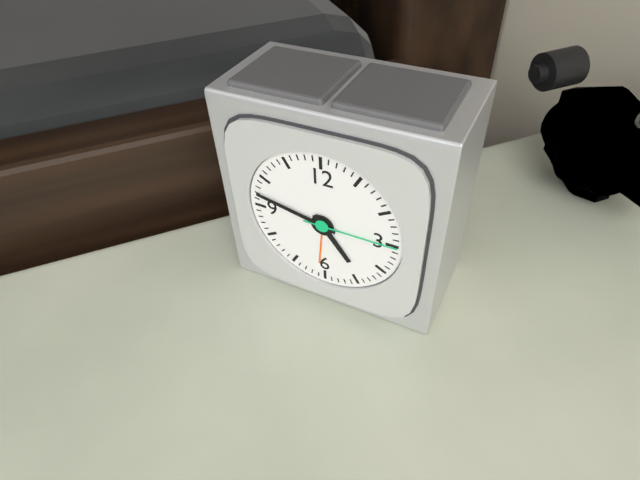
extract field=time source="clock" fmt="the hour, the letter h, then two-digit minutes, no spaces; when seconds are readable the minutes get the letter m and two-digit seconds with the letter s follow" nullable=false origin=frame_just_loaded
4h47m15s
